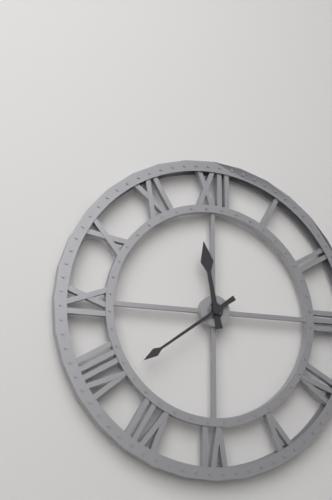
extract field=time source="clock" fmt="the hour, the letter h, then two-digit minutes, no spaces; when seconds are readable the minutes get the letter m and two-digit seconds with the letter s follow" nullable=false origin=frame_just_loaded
11h39
